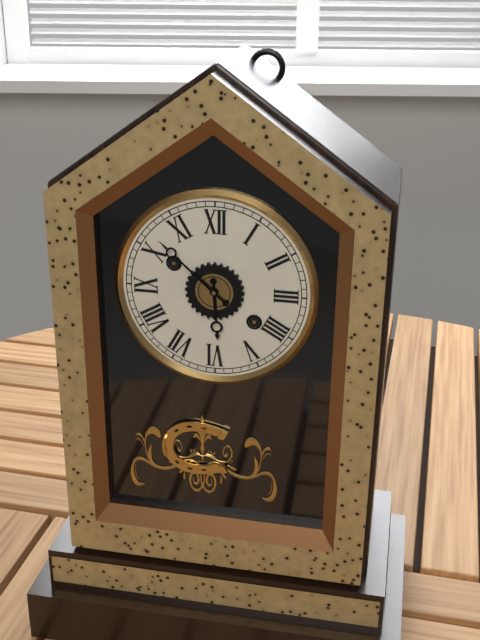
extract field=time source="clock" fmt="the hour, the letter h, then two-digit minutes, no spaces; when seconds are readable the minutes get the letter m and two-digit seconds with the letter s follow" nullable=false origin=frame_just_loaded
5h52
